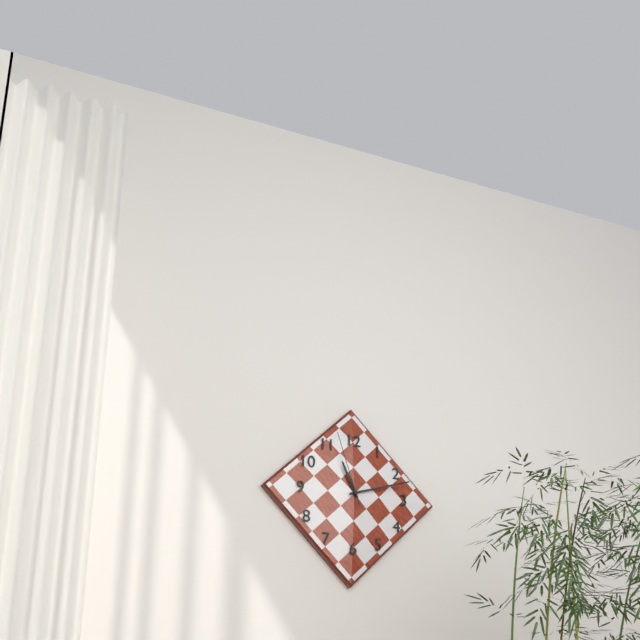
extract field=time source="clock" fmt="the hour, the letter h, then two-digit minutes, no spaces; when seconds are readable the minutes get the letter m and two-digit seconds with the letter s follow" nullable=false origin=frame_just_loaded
11h12m57s
